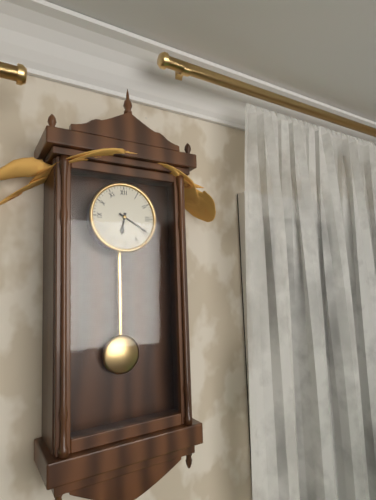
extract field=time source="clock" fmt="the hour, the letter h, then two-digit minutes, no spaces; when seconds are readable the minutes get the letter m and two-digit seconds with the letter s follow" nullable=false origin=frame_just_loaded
6h20
